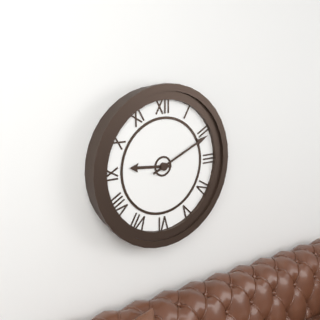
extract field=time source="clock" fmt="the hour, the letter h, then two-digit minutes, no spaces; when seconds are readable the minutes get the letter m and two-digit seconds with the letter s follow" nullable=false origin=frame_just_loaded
9h11
